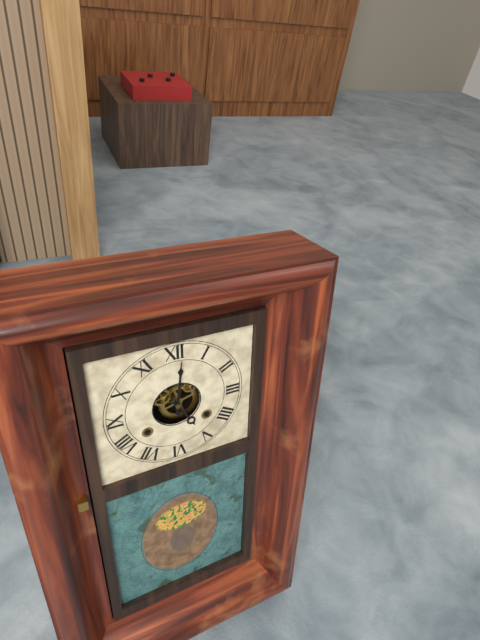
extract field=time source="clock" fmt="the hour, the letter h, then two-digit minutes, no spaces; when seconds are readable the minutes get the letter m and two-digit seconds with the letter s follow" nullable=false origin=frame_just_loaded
5h01
